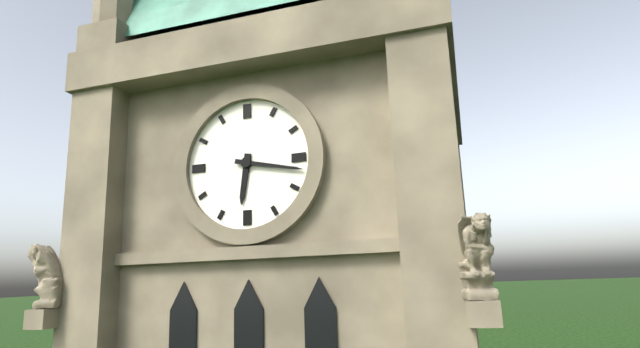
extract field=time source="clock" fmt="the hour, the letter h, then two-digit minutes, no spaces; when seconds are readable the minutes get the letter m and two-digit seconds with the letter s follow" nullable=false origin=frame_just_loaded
6h17
